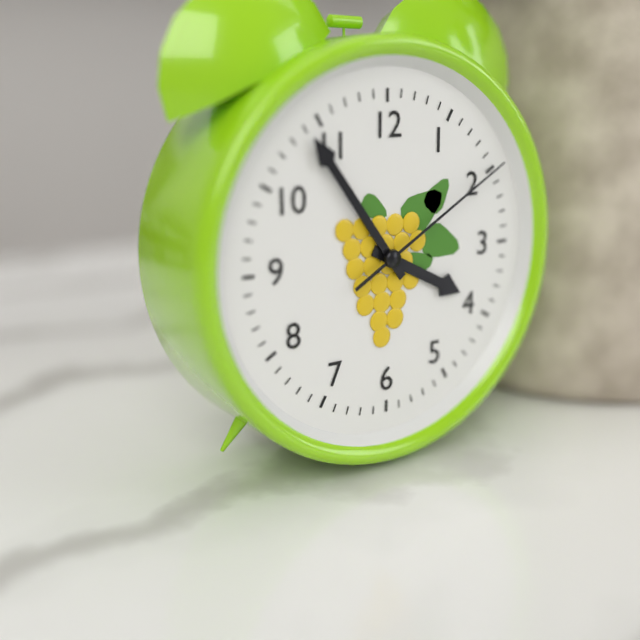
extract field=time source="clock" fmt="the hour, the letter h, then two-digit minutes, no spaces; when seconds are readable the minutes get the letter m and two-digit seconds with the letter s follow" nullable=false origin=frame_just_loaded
3h54m10s
